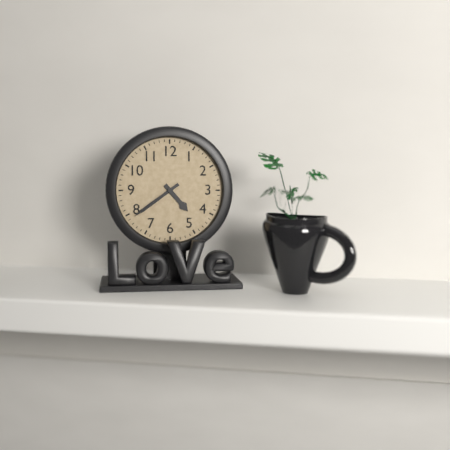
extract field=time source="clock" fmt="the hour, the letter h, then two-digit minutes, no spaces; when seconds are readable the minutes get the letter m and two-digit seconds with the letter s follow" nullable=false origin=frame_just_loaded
4h39
